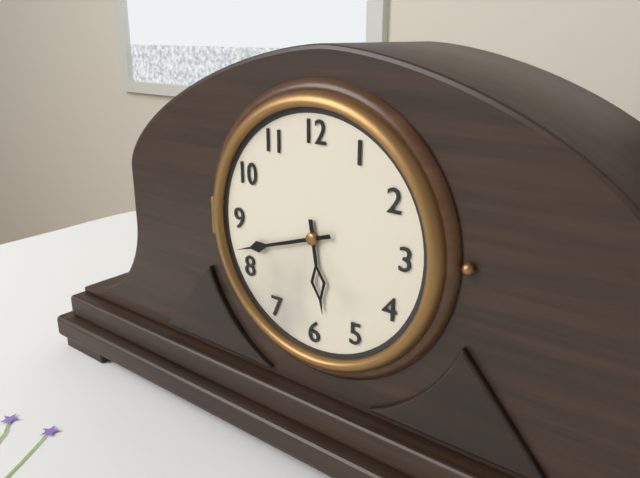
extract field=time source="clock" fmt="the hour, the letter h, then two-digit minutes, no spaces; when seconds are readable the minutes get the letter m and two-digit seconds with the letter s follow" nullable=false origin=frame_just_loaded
5h42
